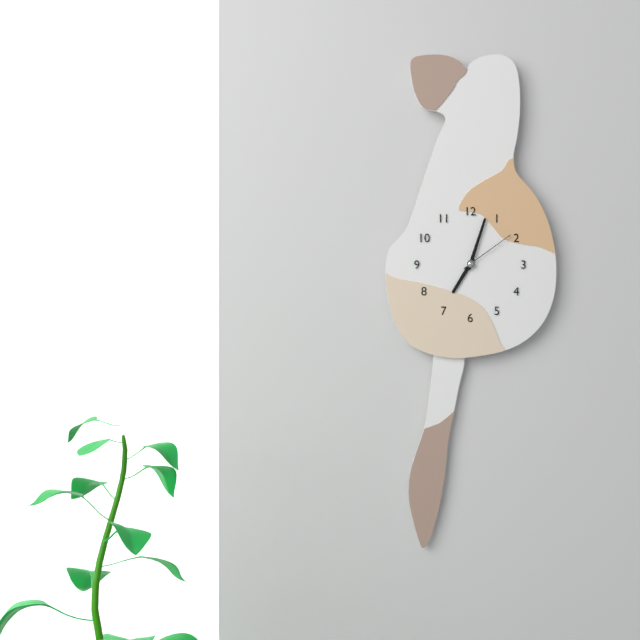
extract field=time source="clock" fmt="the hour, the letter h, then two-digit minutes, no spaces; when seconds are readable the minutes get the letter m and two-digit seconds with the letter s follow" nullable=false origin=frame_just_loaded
7h03m09s
